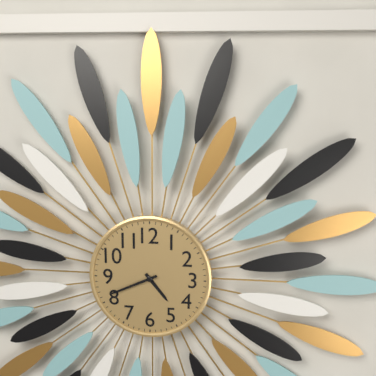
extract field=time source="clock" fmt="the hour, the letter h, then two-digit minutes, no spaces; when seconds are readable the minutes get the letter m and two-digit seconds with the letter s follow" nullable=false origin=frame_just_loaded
4h41
